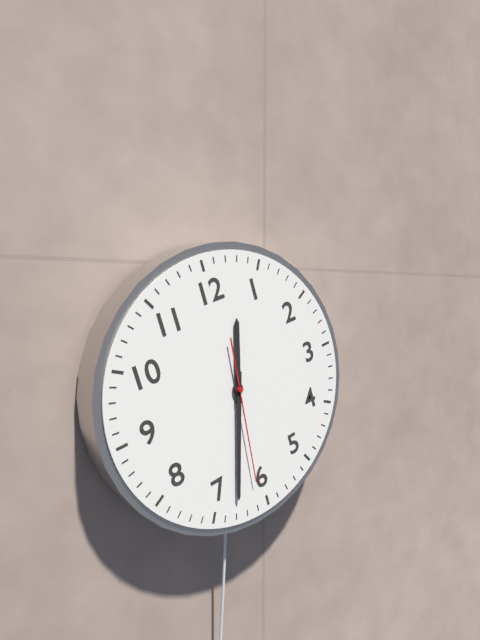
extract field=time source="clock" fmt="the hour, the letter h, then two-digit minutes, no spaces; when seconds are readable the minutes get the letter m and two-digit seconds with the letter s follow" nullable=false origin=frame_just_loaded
12h33m31s
